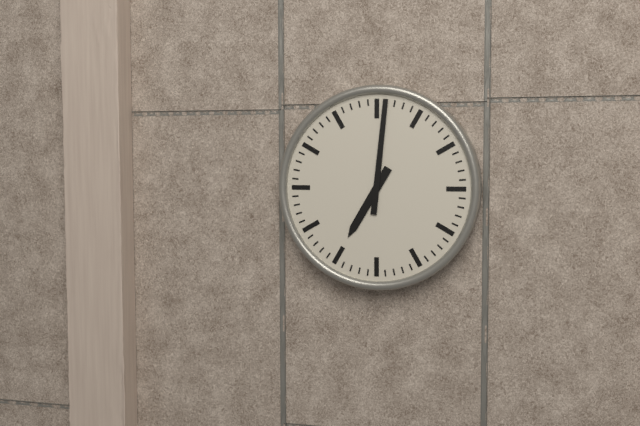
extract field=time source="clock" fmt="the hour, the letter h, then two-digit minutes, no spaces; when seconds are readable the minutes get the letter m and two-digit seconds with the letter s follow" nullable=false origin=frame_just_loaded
7h01
